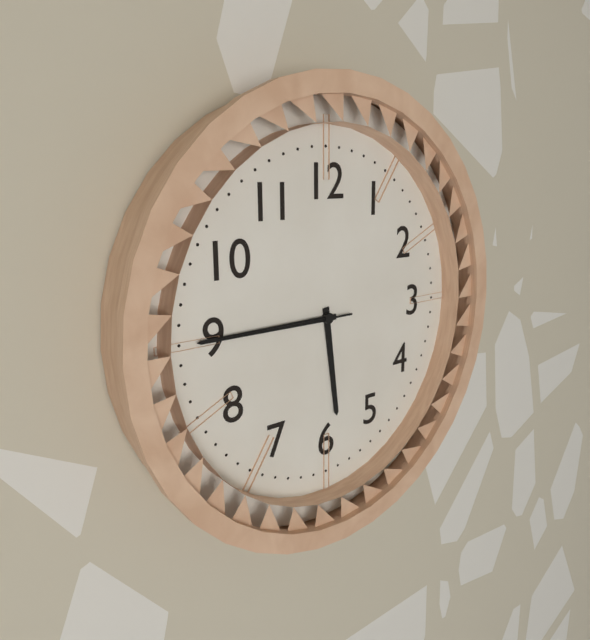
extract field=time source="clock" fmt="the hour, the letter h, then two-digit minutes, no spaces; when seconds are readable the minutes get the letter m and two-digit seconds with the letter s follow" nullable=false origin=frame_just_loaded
5h45m45s
